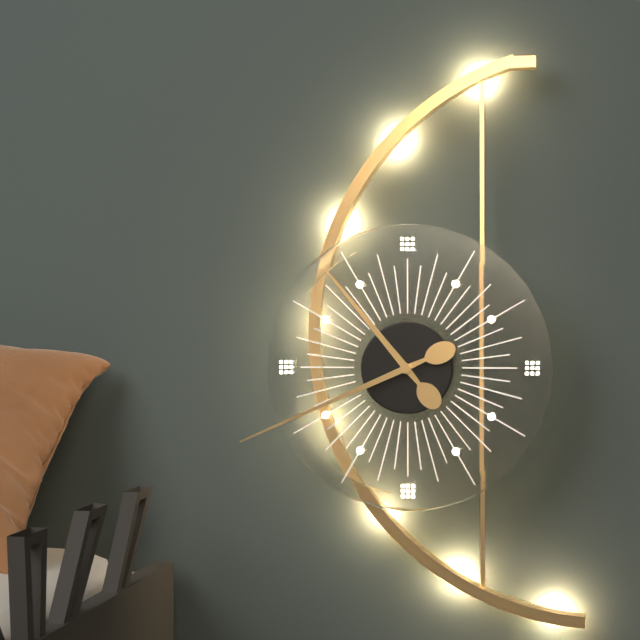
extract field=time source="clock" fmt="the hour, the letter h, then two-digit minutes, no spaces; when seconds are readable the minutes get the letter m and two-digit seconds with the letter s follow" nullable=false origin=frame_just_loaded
10h41
